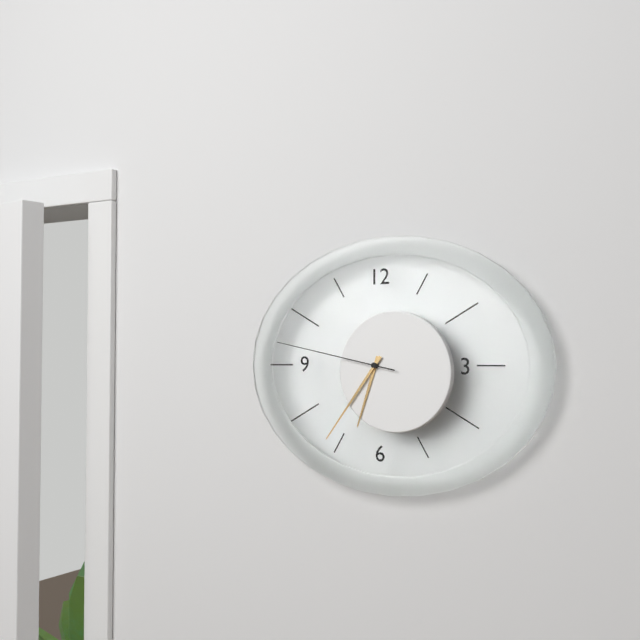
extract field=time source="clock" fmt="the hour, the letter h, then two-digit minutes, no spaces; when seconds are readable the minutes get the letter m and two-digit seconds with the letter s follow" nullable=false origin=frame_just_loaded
6h36m47s
